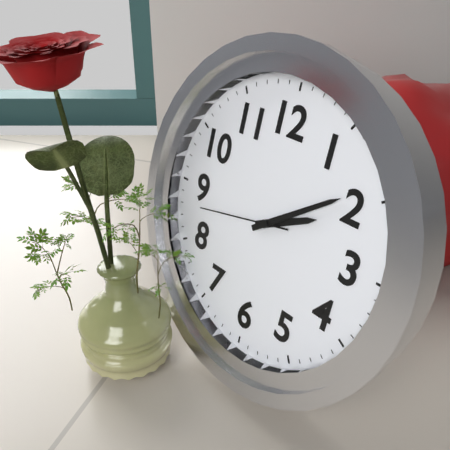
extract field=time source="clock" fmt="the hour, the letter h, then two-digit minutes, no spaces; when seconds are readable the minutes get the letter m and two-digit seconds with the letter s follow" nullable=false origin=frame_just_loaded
2h09m43s
